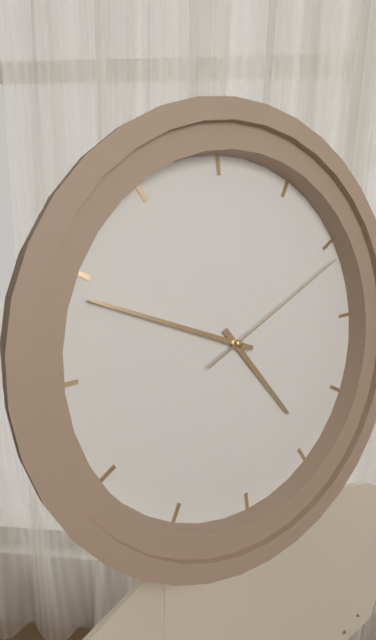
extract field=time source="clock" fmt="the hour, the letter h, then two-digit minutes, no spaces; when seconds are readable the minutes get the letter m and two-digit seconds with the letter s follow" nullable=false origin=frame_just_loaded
4h49m11s
